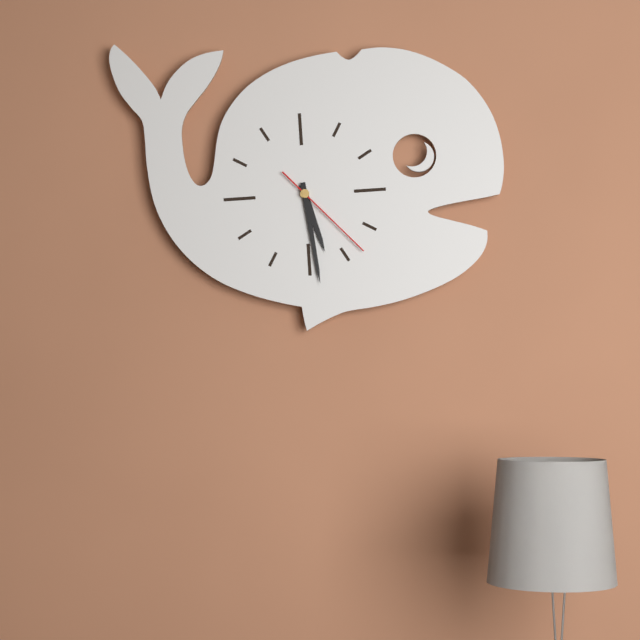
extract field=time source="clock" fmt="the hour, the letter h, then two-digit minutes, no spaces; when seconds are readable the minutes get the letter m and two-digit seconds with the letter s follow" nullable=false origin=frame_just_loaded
5h29m23s
